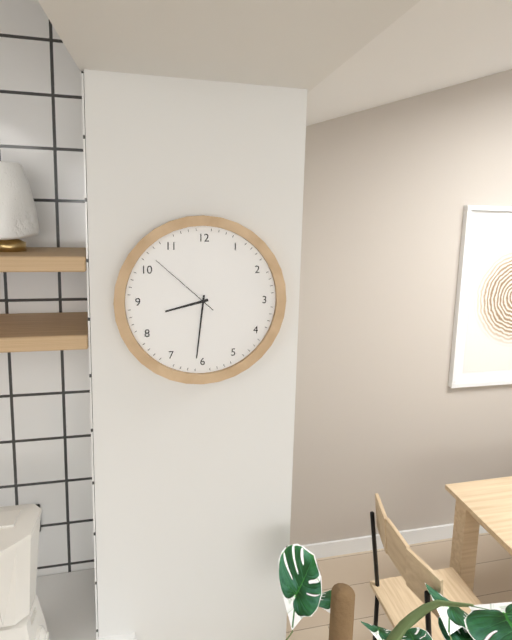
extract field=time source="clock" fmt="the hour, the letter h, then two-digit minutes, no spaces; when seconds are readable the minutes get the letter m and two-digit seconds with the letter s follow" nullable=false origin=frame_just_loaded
8h31m52s
